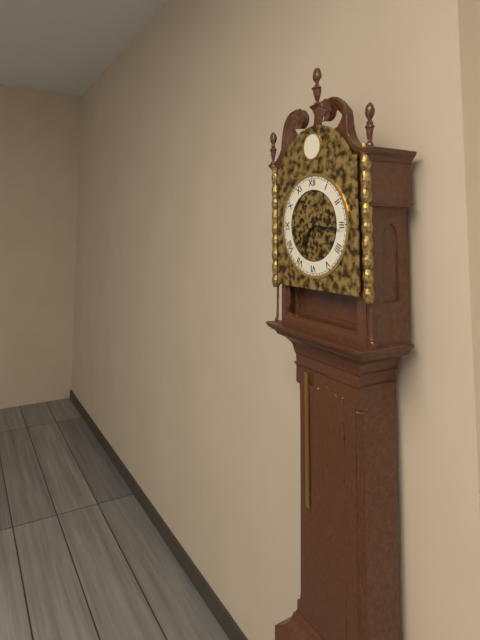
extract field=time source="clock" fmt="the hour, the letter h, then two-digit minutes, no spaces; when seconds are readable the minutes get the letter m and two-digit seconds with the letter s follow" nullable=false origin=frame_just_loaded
7h16
